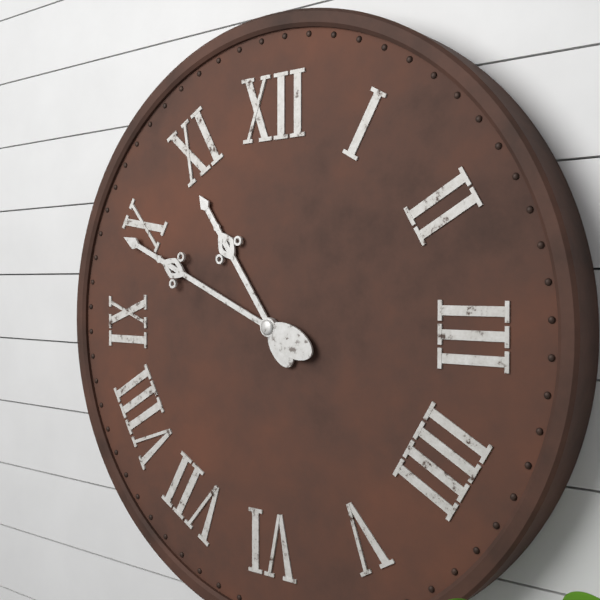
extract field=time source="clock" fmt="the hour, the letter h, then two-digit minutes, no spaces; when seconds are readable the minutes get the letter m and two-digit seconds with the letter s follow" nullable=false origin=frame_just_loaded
10h49
